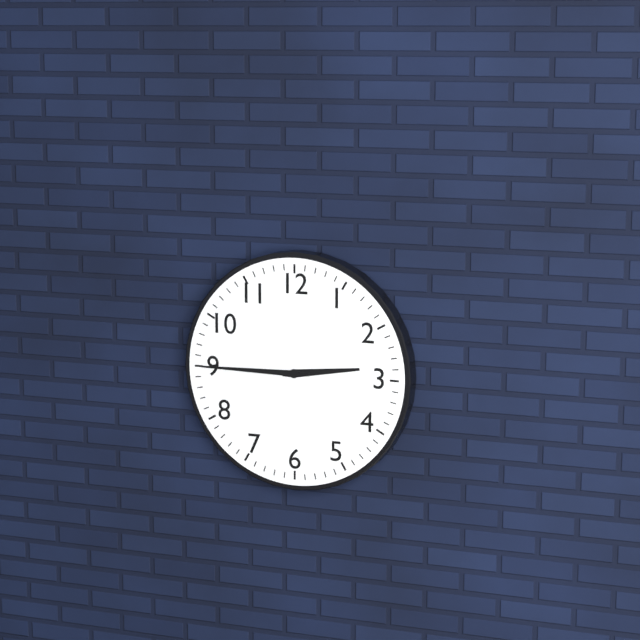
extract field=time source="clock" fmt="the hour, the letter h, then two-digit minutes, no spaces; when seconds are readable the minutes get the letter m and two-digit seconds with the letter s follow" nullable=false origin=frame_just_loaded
2h45
